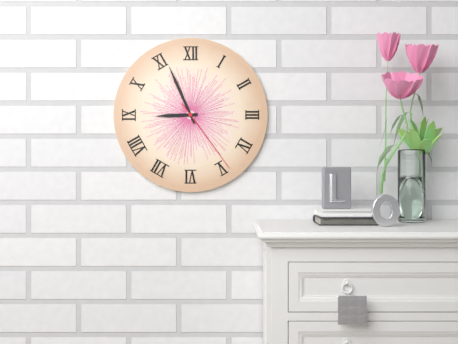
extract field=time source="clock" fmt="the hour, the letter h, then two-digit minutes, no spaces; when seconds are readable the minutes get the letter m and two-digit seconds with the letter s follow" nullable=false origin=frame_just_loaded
8h56m24s
